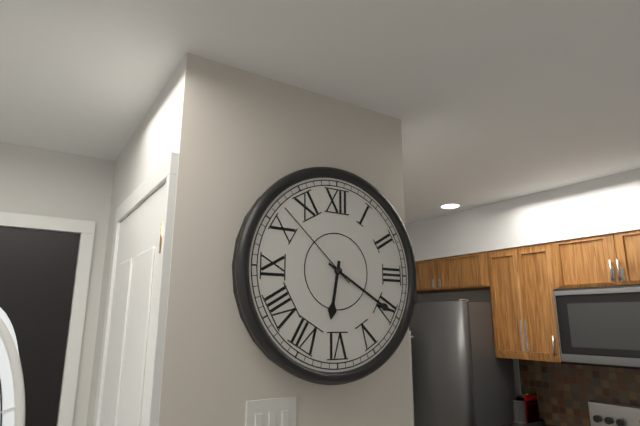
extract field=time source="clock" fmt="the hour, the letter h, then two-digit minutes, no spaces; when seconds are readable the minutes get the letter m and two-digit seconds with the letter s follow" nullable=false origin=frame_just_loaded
6h20m52s
